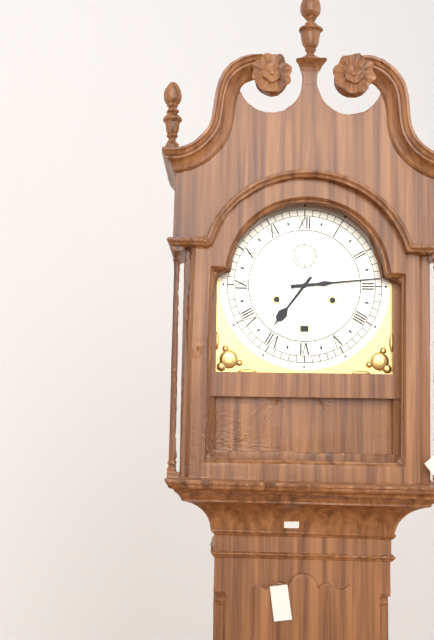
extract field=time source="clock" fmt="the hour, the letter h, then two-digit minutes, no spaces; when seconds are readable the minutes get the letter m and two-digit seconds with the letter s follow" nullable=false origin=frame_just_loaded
7h14
